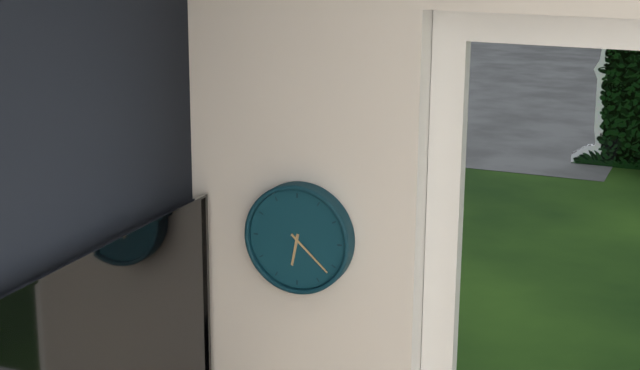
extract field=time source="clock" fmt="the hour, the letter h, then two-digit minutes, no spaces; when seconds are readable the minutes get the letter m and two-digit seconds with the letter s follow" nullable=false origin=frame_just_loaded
6h22
